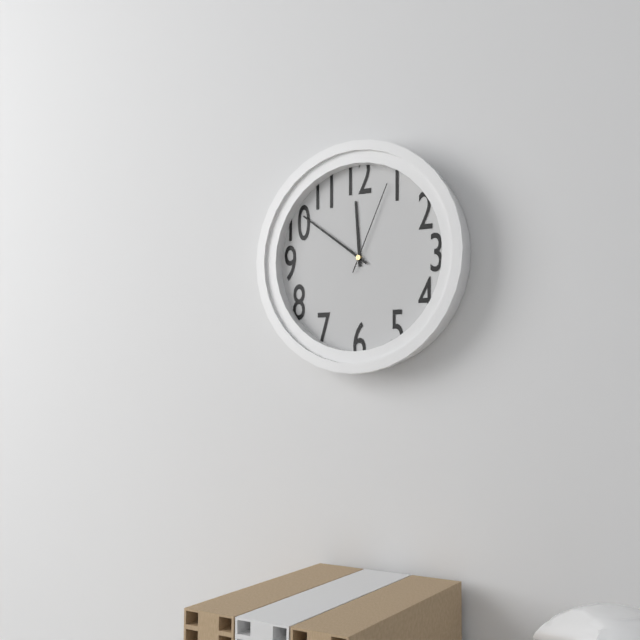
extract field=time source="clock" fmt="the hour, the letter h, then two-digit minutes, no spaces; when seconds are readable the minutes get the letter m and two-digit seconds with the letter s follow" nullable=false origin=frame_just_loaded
11h51m04s
